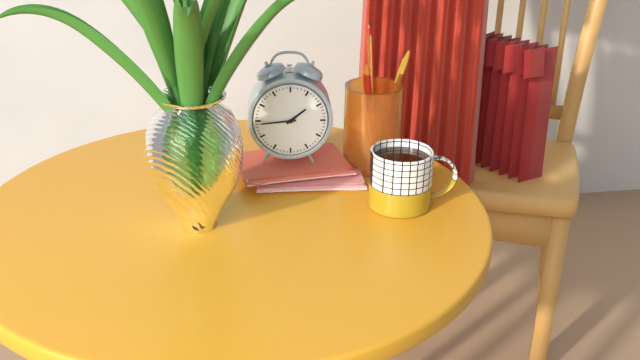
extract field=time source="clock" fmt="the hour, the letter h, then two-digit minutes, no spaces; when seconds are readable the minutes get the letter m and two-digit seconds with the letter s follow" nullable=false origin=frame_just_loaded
1h44
